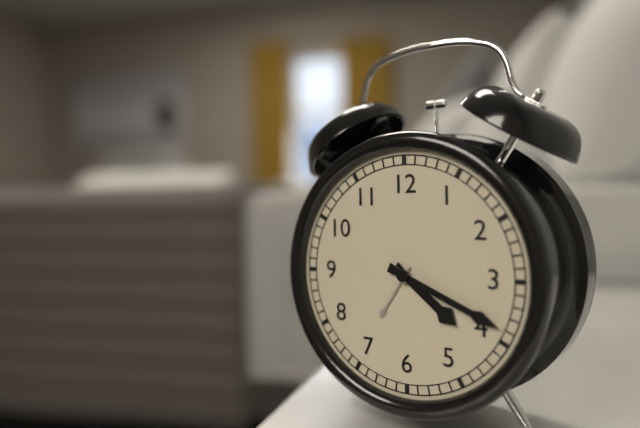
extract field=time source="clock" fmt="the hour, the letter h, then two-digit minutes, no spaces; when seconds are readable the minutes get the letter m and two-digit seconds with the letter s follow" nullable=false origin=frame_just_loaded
4h19
